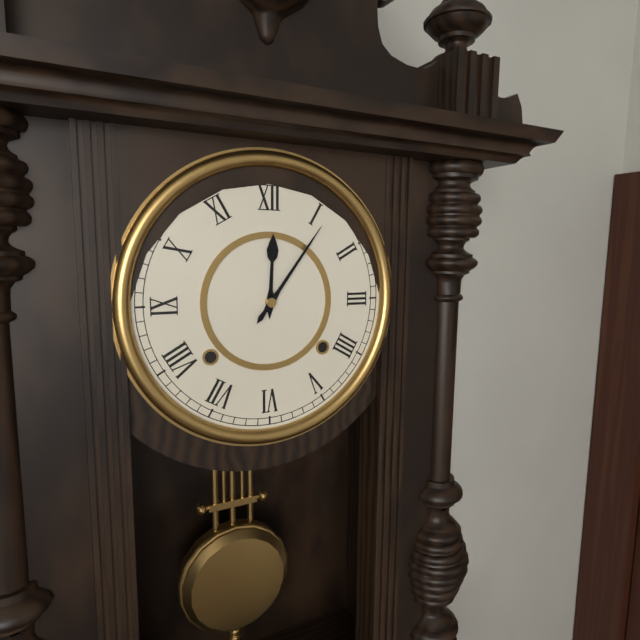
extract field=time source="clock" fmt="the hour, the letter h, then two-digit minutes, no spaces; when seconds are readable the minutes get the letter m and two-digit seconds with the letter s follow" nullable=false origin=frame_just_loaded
12h06
